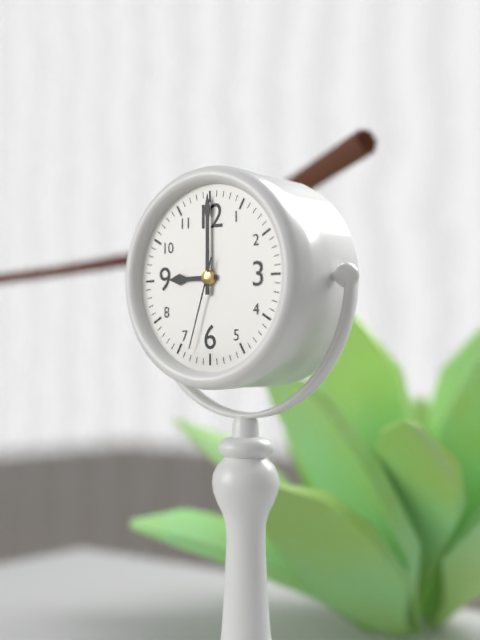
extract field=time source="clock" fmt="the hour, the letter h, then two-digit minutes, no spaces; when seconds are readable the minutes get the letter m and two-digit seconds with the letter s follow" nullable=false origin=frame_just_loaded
9h00m33s
